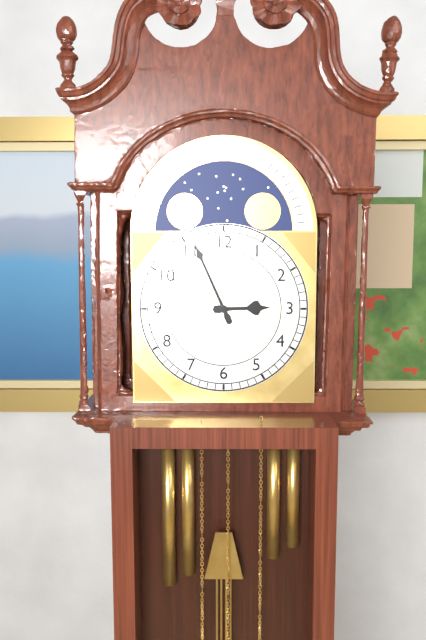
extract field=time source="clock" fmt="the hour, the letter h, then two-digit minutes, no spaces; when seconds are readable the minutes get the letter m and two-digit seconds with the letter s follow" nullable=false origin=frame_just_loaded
2h56
